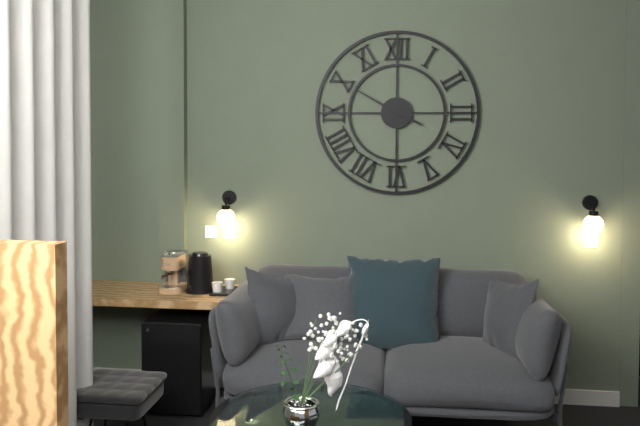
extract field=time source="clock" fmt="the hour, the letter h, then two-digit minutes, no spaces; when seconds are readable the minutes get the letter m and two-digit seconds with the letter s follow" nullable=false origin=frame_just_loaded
3h50
